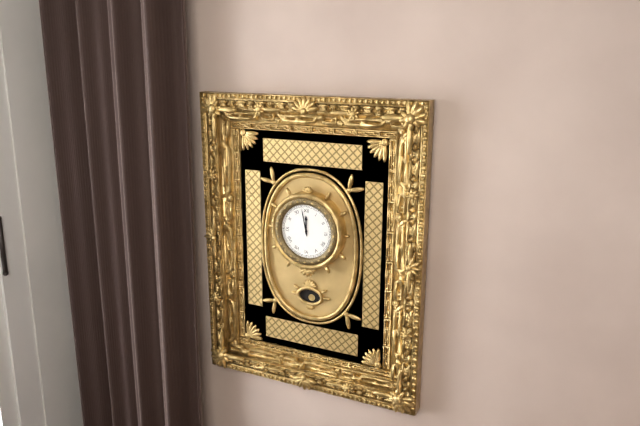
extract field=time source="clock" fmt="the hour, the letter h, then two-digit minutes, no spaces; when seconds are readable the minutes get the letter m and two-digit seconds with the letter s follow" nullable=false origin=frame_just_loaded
11h58
